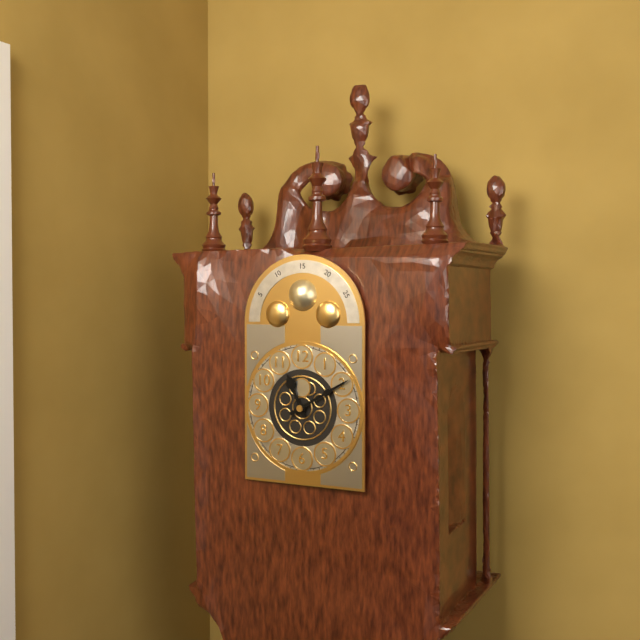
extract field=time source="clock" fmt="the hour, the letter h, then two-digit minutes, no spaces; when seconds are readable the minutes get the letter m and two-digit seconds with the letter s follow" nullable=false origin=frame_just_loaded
11h10
